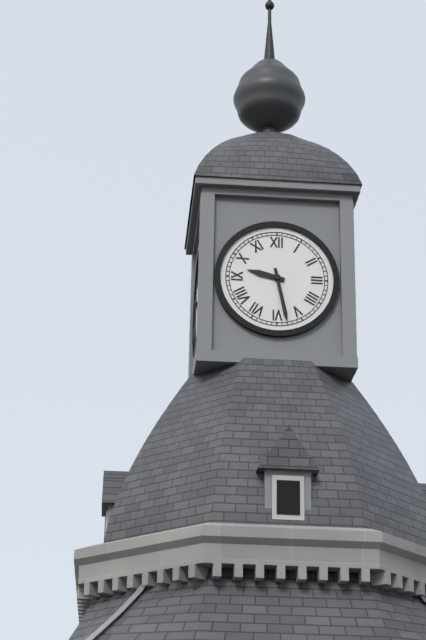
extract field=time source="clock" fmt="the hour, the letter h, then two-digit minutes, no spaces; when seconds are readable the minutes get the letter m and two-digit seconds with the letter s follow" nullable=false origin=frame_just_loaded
9h28
